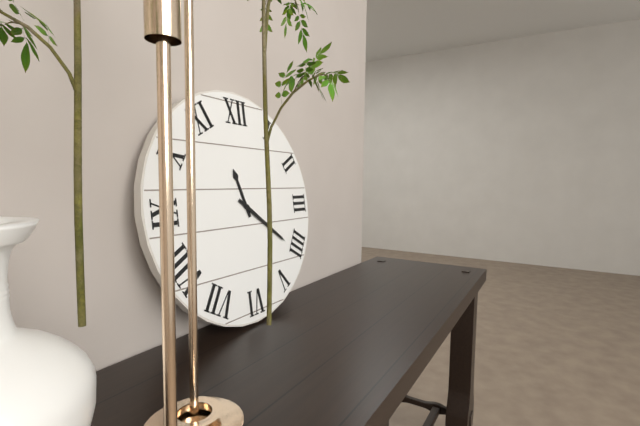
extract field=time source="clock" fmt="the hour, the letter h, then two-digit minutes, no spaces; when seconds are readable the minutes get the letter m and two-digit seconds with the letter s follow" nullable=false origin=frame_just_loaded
11h21
